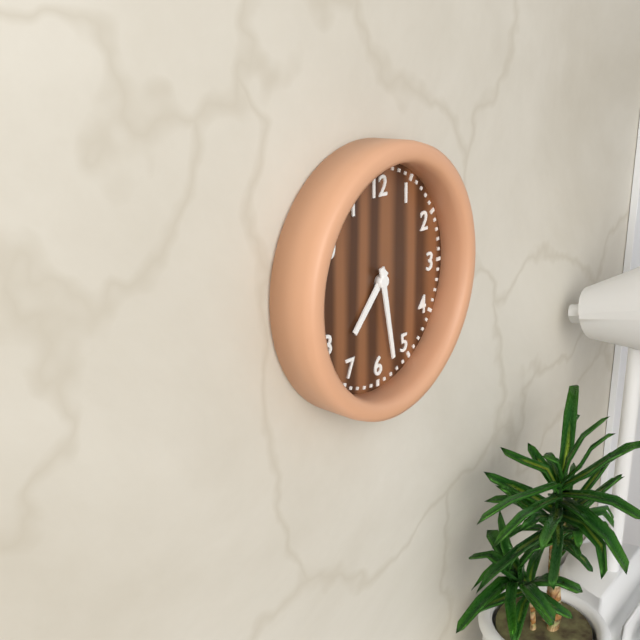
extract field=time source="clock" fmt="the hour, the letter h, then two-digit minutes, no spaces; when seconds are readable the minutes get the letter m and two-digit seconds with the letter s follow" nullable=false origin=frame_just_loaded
7h28
